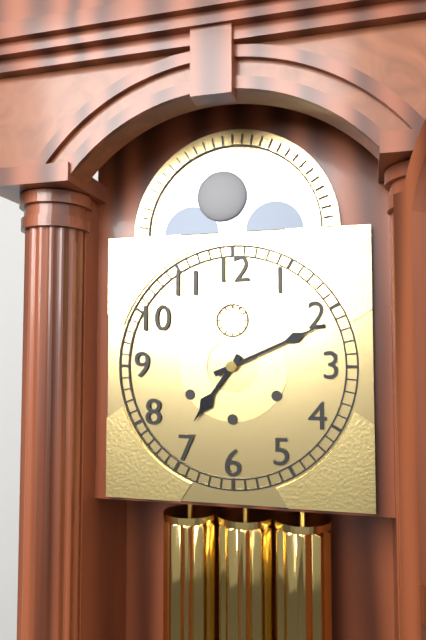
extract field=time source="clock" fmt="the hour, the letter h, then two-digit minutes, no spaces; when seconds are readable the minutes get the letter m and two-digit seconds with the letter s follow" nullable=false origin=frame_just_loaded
7h11
